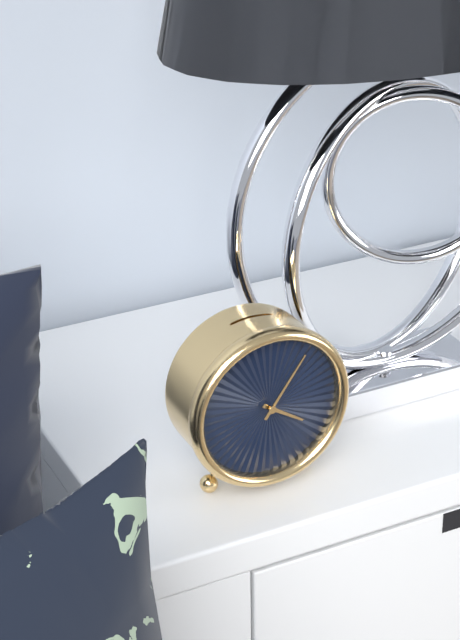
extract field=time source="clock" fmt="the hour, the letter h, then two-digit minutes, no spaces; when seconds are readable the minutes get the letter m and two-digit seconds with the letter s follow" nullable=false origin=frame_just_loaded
4h06
